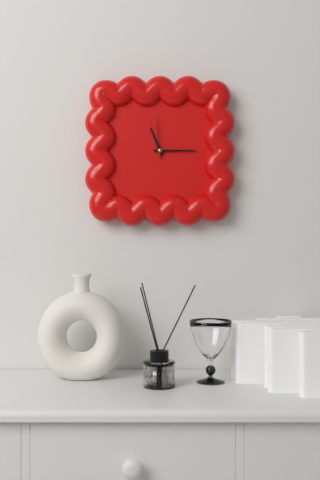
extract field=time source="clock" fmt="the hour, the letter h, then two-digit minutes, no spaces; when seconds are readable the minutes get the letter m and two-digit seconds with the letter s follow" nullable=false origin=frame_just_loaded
11h15
